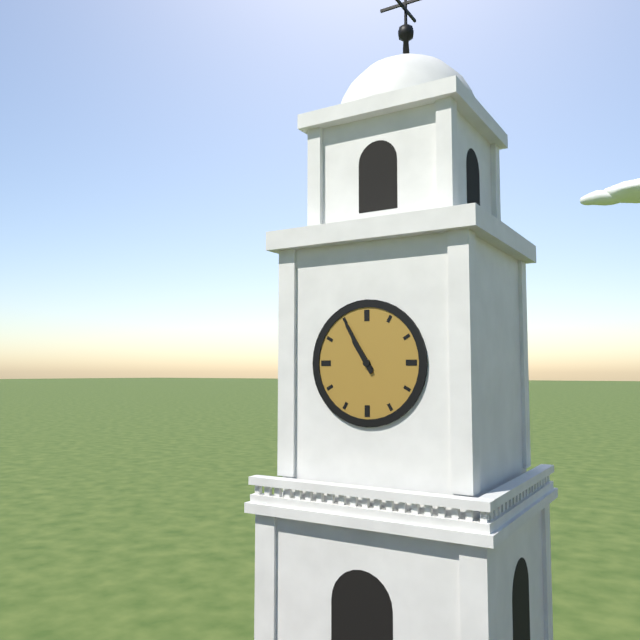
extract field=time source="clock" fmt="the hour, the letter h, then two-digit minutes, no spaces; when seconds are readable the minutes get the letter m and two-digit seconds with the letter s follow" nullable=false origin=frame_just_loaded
10h55
